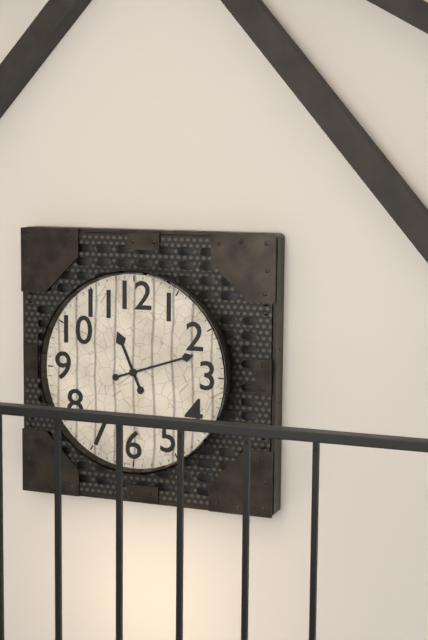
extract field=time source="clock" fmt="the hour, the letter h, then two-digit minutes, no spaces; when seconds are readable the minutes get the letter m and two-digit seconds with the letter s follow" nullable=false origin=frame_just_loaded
11h12
